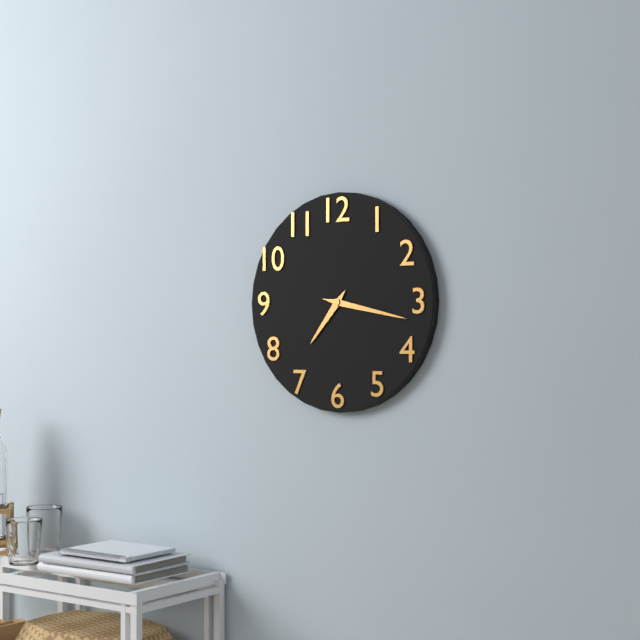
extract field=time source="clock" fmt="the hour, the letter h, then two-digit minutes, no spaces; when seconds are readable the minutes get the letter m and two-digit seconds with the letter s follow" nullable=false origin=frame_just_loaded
7h17
